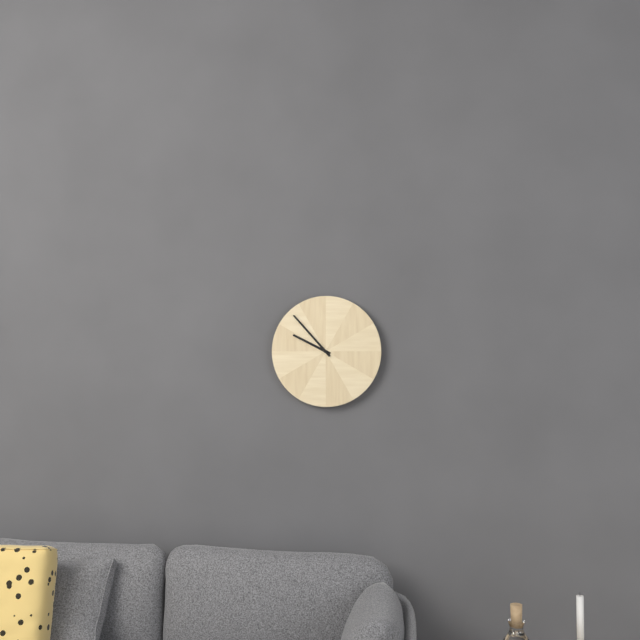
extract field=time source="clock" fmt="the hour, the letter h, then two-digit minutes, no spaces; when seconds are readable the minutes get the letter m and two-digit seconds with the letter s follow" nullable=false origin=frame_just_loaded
9h53
